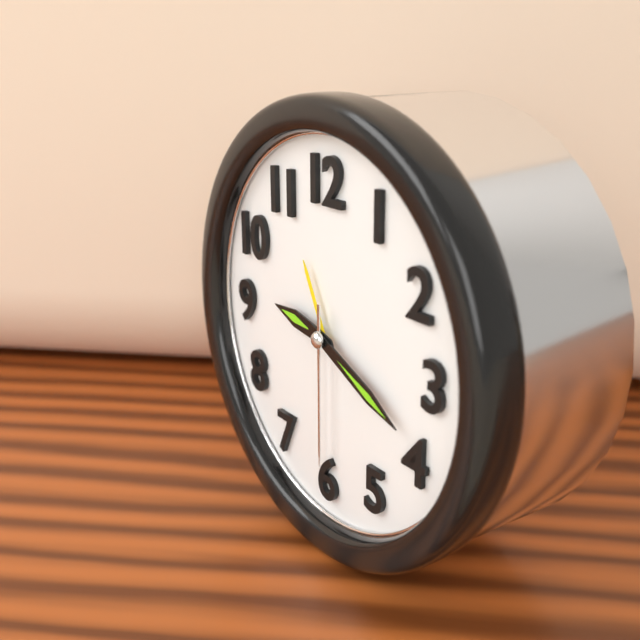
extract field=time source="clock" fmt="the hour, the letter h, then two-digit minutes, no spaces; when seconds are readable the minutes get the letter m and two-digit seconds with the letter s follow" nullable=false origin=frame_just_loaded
9h19m30s
